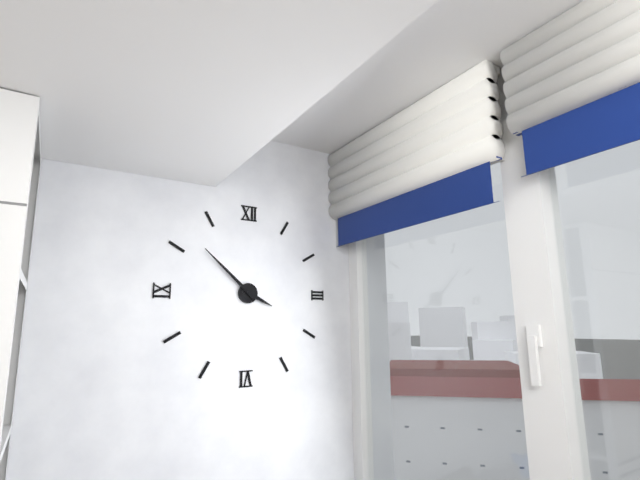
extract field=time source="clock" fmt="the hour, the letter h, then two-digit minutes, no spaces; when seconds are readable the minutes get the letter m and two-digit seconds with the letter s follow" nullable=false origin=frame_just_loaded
3h52
